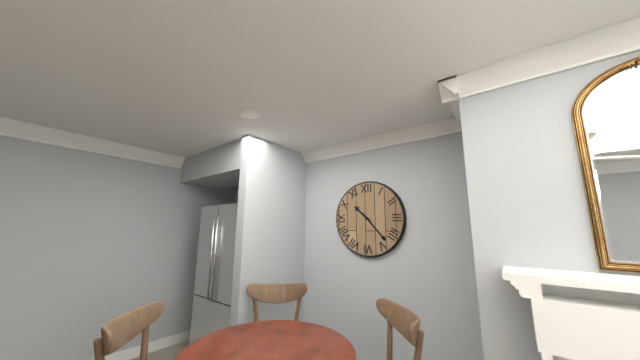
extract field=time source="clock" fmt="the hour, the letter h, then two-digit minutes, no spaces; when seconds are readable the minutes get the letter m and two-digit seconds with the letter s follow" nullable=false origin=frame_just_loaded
10h23
